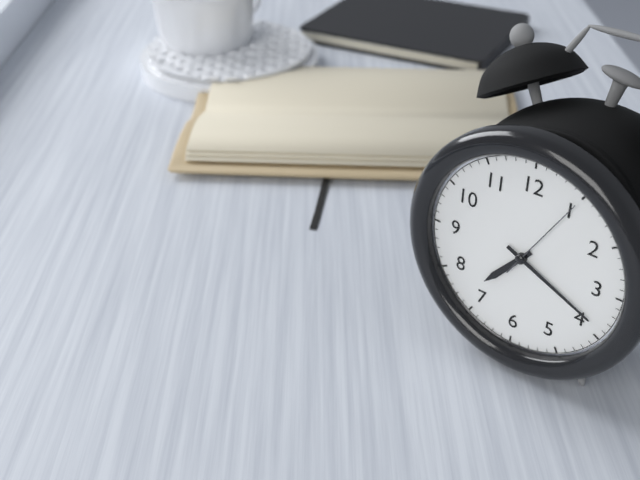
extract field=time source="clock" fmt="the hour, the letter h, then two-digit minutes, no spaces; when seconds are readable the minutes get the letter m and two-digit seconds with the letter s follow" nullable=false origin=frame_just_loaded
7h19m05s
